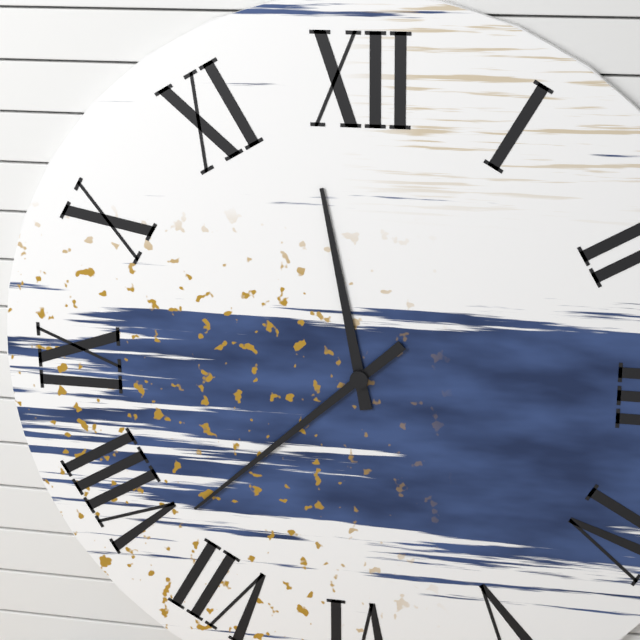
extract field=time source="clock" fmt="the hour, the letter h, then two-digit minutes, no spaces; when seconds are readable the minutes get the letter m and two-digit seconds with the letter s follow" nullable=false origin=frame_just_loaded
11h38
